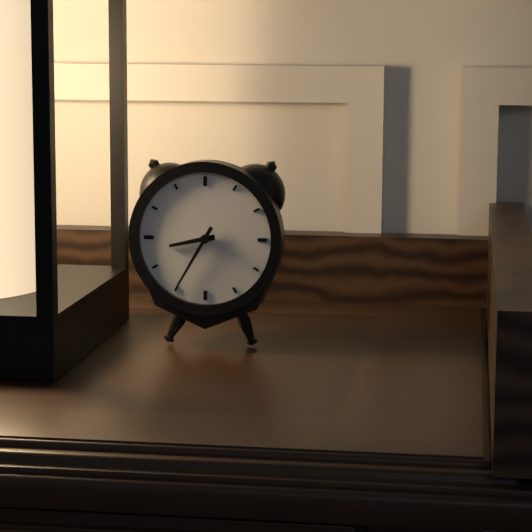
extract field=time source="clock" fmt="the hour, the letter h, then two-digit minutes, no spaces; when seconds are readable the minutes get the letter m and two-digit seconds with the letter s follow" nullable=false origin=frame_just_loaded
8h35
